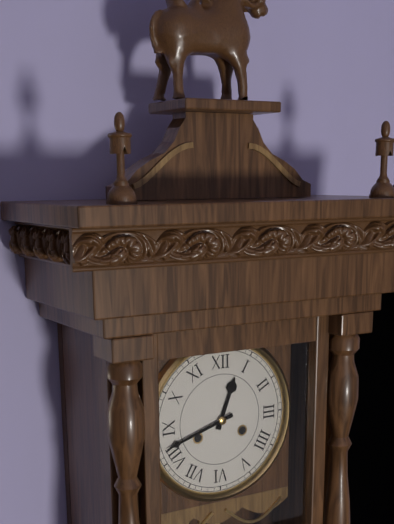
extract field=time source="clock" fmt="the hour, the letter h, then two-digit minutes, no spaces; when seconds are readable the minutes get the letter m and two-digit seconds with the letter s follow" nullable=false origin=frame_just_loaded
12h42
